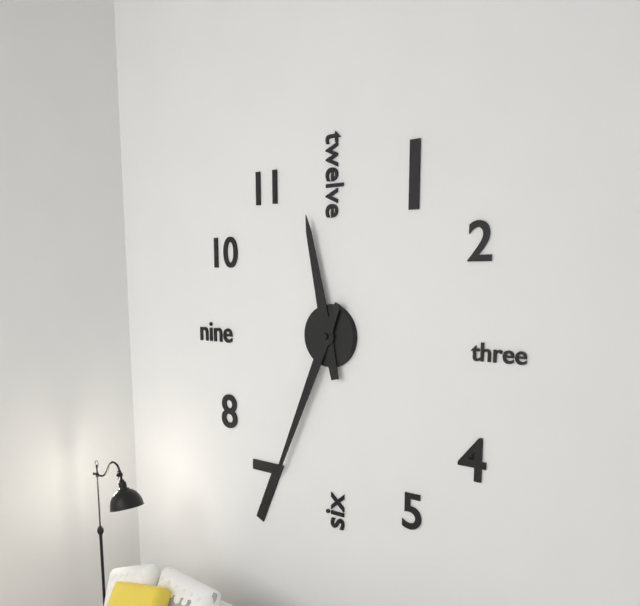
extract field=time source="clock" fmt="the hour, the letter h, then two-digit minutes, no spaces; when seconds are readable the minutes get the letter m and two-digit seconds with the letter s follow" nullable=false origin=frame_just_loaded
11h34
